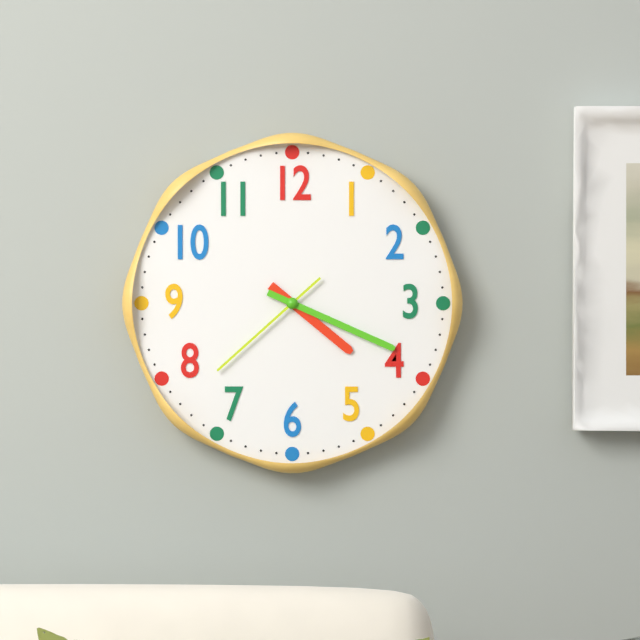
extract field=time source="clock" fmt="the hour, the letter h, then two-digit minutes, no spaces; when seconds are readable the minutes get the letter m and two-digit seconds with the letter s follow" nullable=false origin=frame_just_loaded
4h19m38s
